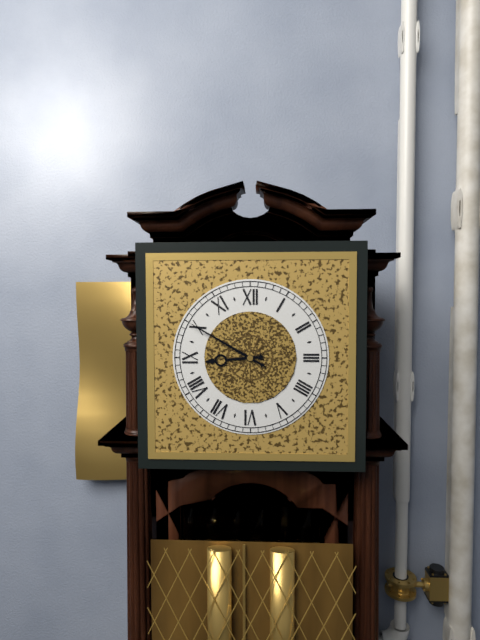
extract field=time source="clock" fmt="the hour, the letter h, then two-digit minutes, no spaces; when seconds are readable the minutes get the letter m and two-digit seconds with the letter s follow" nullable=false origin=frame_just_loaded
8h50
